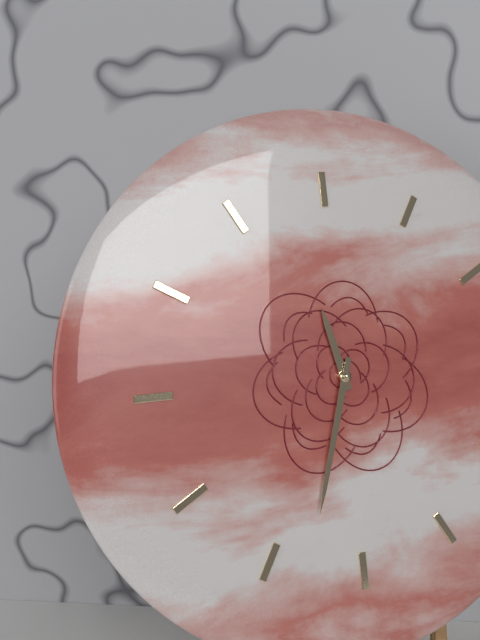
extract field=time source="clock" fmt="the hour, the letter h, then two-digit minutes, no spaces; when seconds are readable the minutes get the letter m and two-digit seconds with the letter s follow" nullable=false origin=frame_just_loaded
11h33
